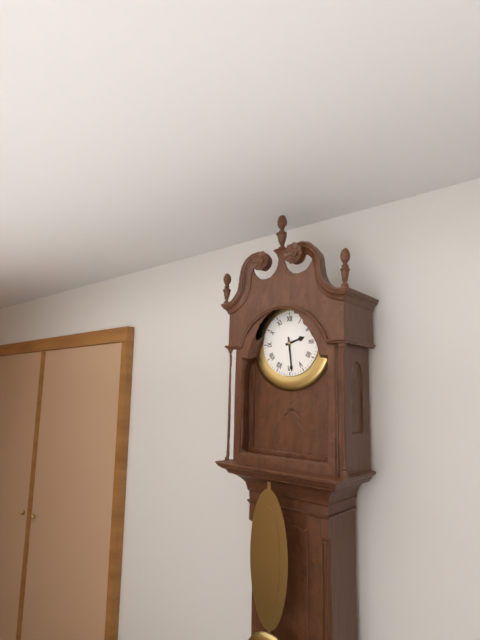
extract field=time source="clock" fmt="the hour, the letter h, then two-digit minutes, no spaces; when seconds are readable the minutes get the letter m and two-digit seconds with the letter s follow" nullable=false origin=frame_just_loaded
2h29
